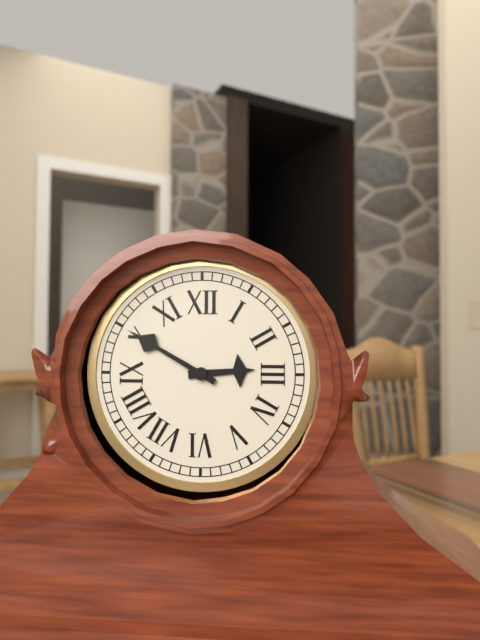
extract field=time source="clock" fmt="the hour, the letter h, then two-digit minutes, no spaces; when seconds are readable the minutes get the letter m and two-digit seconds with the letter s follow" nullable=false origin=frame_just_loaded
2h50
